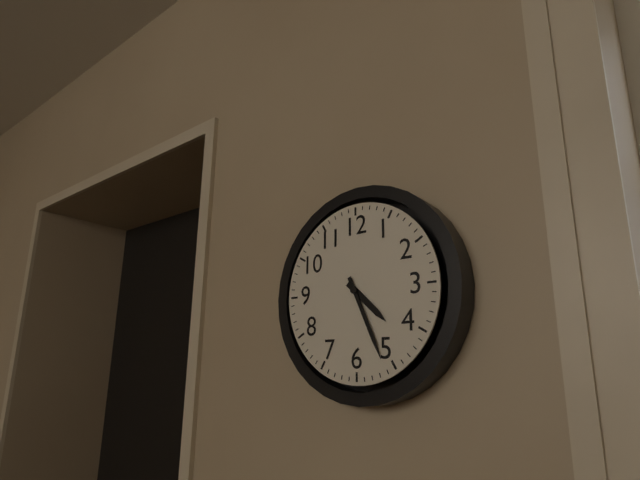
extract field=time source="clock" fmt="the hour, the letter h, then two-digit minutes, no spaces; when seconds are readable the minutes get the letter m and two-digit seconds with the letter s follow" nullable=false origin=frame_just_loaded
4h26
